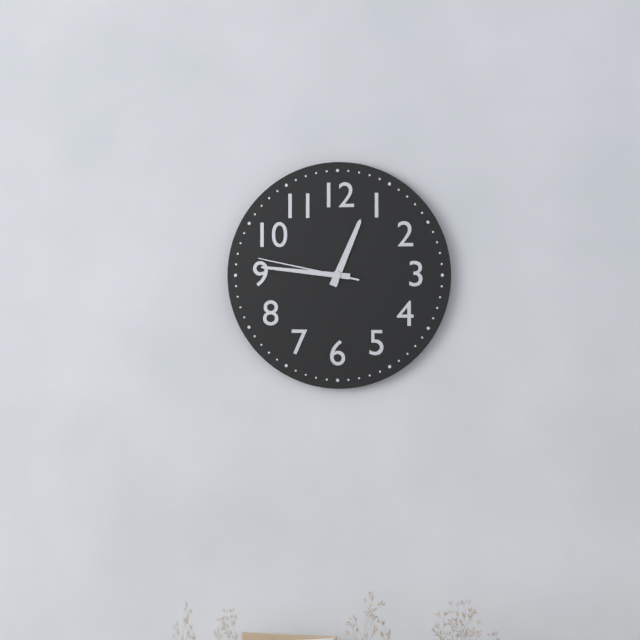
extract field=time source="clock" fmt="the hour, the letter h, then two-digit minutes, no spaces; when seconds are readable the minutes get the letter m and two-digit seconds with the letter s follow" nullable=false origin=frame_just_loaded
12h46m47s
